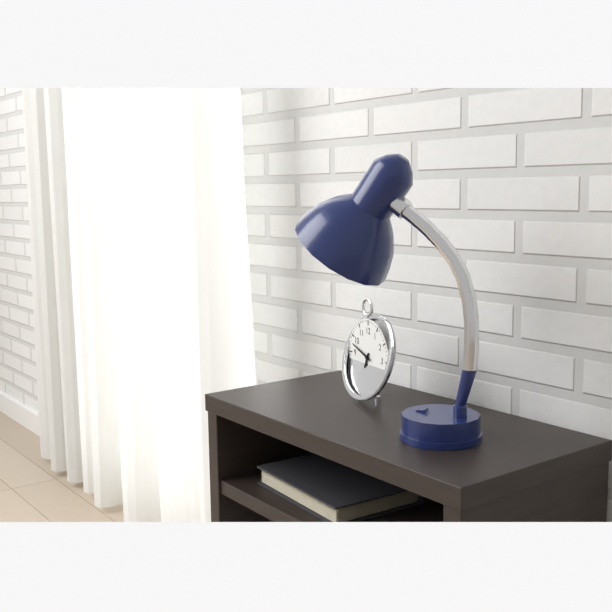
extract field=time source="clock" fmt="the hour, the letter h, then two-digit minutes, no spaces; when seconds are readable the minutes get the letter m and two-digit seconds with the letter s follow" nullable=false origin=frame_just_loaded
6h48
